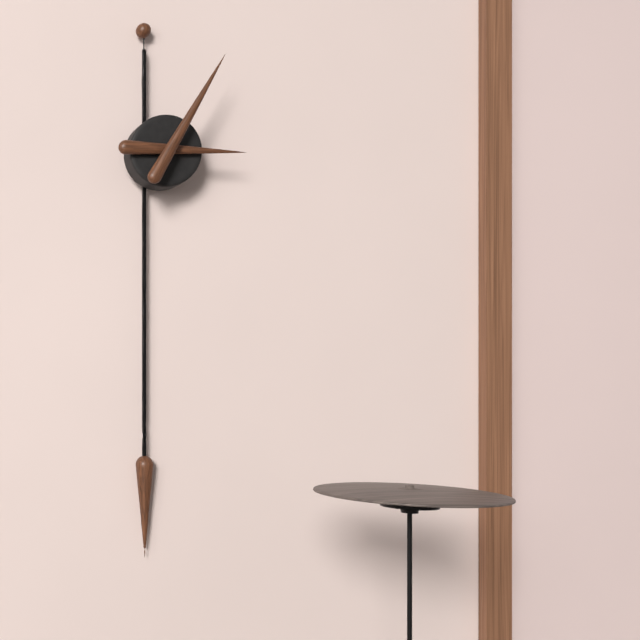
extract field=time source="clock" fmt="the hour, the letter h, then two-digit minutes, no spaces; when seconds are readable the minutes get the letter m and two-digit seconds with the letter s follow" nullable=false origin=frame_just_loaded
3h05
